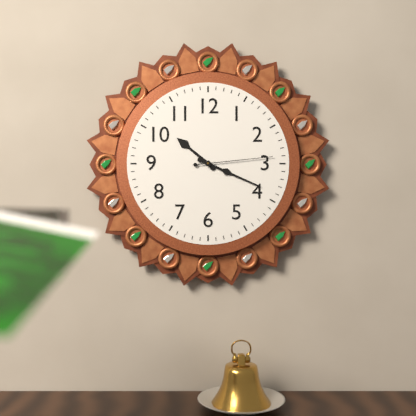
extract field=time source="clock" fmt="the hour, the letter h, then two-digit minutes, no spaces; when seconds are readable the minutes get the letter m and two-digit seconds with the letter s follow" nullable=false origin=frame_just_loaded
10h19m14s
